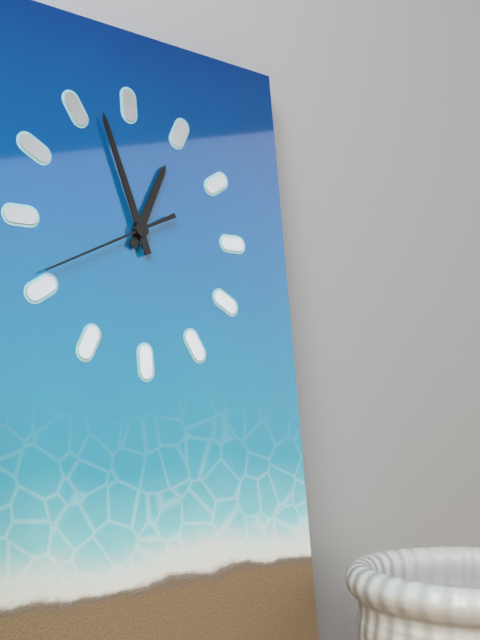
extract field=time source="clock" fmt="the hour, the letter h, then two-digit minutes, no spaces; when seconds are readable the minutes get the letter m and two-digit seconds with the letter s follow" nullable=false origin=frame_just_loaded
12h57m41s
